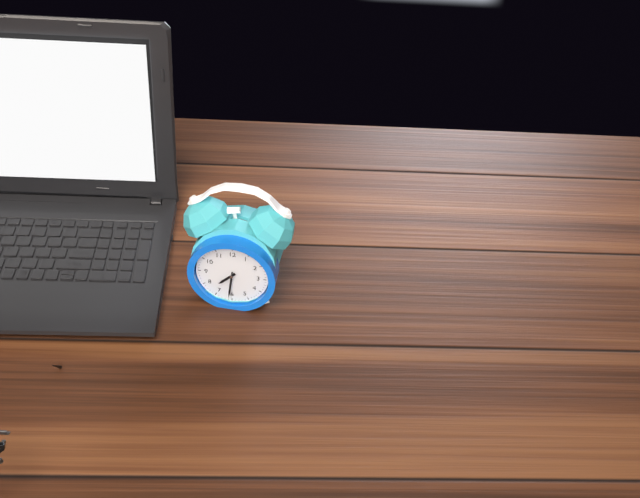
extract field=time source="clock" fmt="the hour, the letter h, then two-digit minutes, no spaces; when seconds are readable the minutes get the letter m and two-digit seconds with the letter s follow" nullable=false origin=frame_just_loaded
7h31
